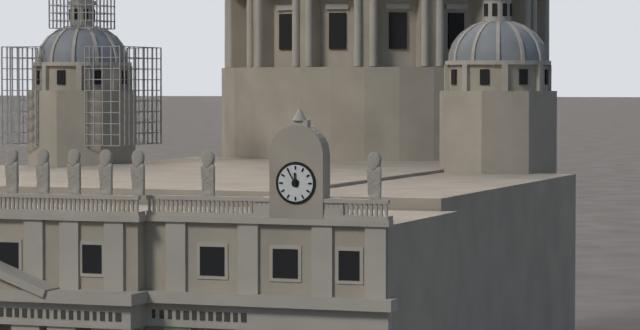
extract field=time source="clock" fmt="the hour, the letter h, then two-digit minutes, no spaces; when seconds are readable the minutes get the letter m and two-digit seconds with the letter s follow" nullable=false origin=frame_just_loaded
11h55
